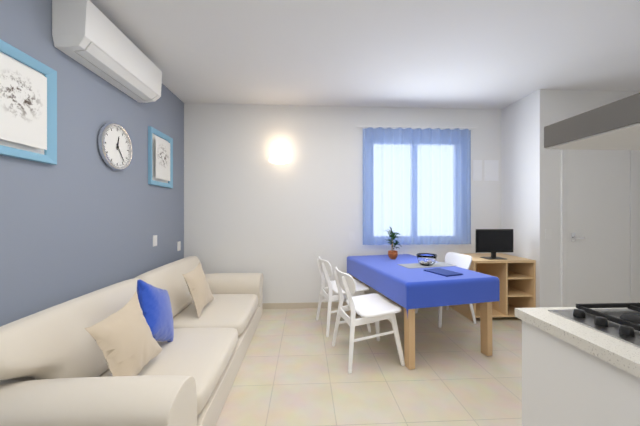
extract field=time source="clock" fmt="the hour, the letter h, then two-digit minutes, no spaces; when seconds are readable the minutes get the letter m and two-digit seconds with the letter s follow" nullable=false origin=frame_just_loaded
12h24
